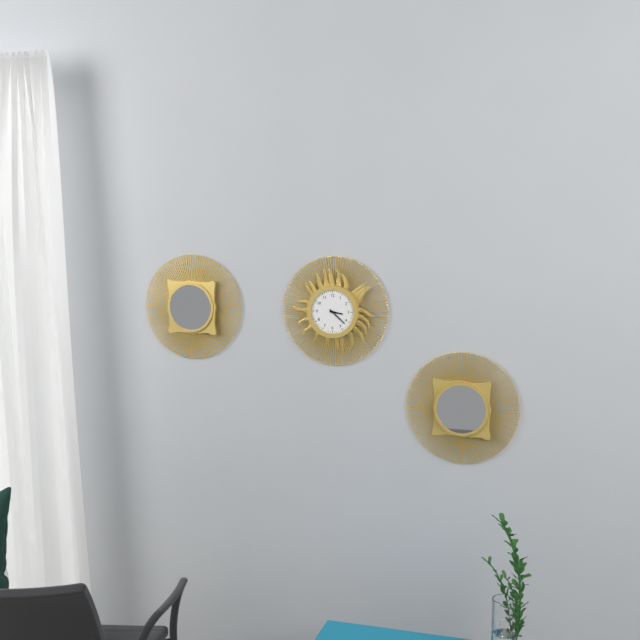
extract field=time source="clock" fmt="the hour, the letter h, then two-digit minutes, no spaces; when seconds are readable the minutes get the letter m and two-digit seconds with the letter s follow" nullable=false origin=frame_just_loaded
3h22
